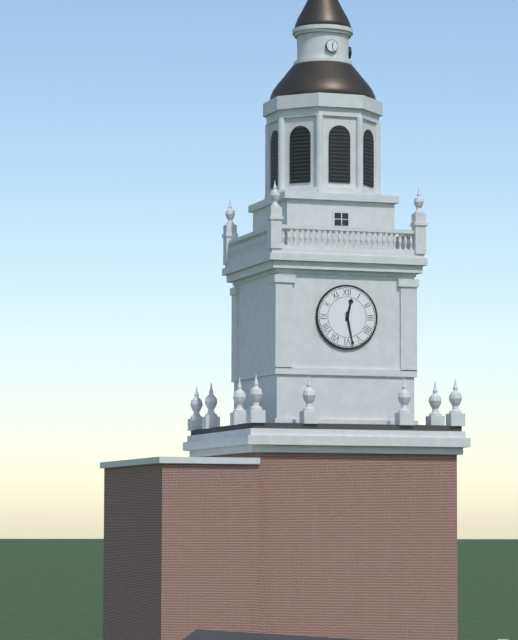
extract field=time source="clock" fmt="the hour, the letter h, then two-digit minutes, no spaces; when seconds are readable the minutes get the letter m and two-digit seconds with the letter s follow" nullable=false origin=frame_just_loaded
12h28
